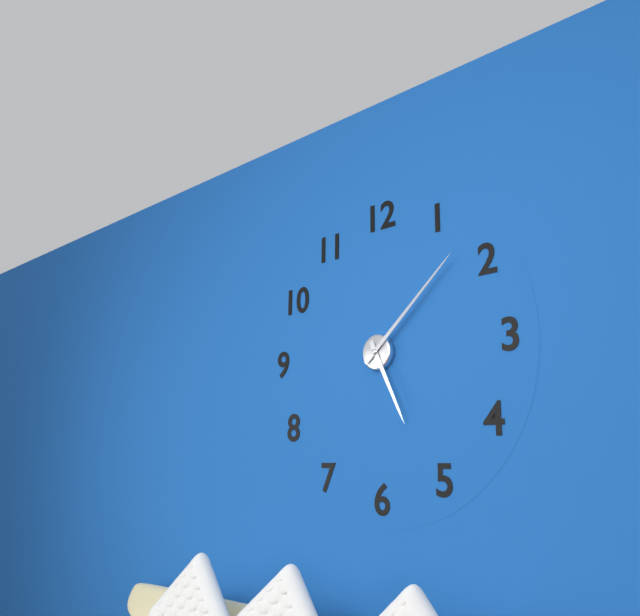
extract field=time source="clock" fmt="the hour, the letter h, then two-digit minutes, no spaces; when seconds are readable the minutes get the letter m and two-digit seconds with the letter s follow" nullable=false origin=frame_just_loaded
5h08
